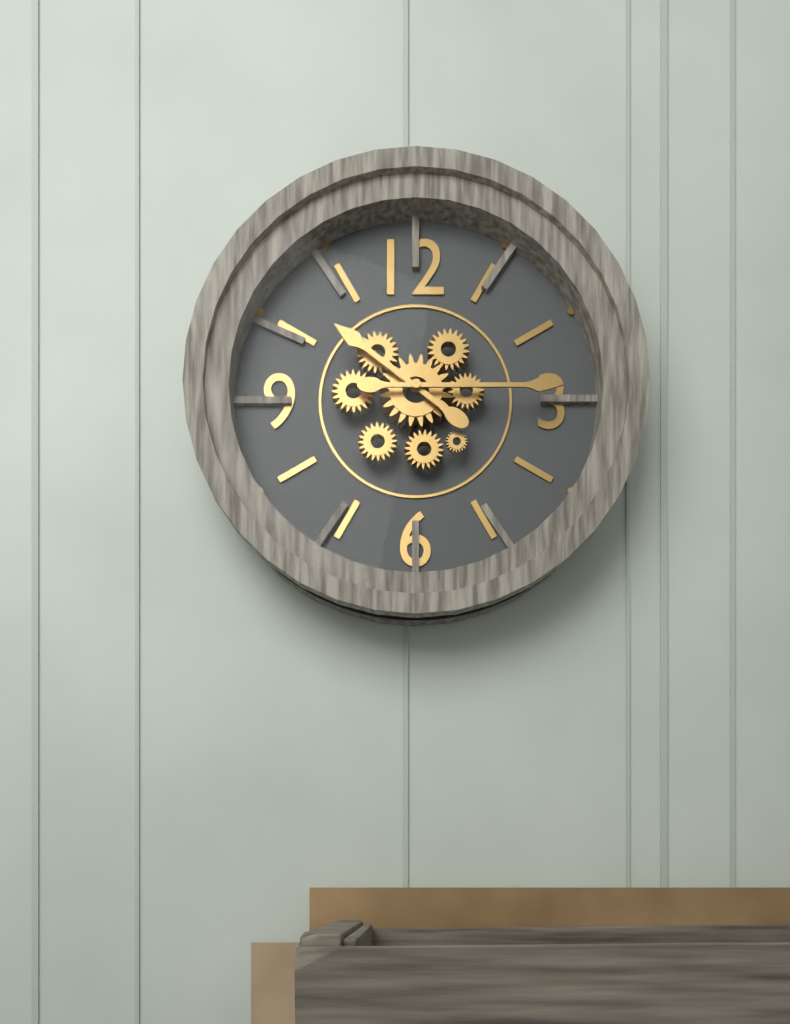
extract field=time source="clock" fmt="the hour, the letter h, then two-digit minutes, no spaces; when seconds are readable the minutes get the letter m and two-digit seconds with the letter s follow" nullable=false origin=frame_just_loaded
10h15
